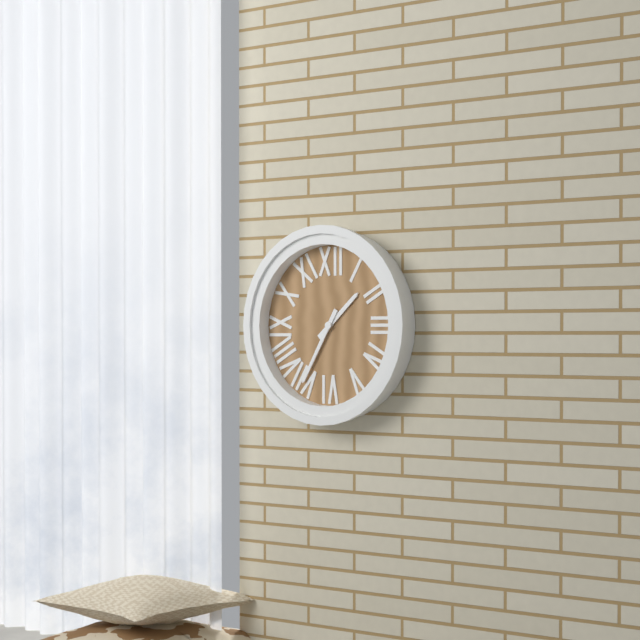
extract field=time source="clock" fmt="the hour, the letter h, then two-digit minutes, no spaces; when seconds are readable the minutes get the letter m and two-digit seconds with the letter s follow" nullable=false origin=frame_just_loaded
1h35
